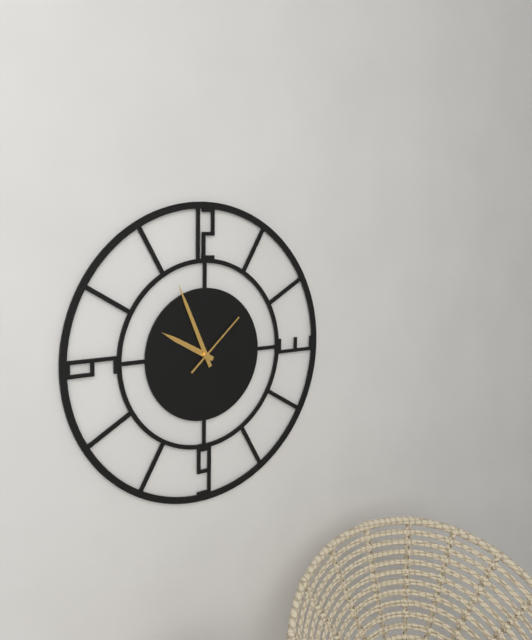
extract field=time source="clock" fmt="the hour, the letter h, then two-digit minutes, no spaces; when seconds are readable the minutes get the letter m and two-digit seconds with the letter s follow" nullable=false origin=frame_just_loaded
9h56m08s
